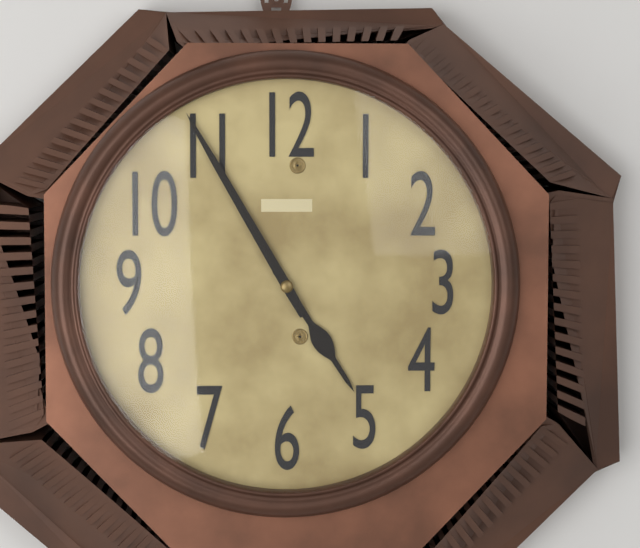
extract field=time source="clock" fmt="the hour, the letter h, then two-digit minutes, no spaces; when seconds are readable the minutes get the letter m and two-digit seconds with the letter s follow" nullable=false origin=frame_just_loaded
4h55
